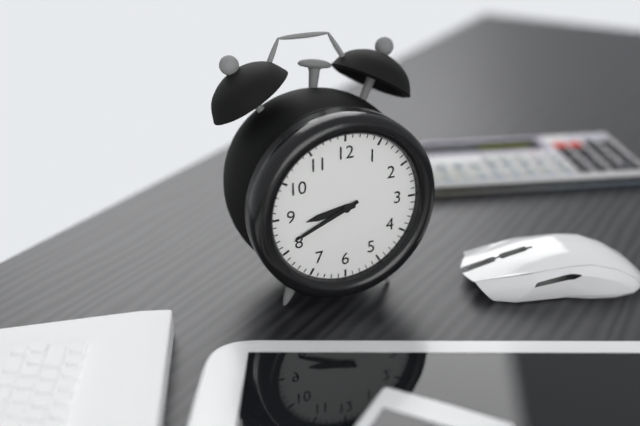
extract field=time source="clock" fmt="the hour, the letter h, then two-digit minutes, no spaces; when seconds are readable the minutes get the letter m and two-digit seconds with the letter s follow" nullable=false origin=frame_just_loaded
8h41
